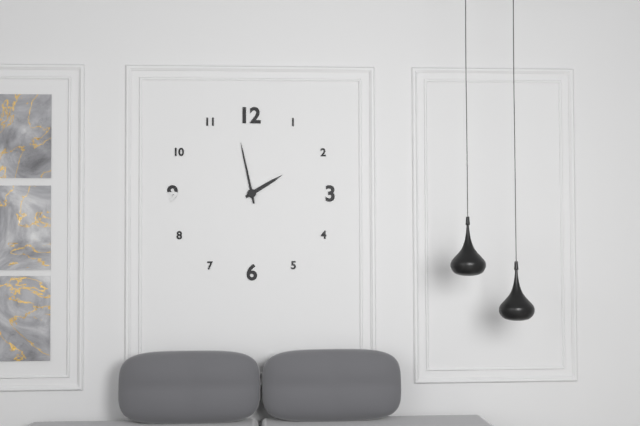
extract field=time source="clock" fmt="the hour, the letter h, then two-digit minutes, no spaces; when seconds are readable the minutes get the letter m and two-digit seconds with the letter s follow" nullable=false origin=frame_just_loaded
1h58
